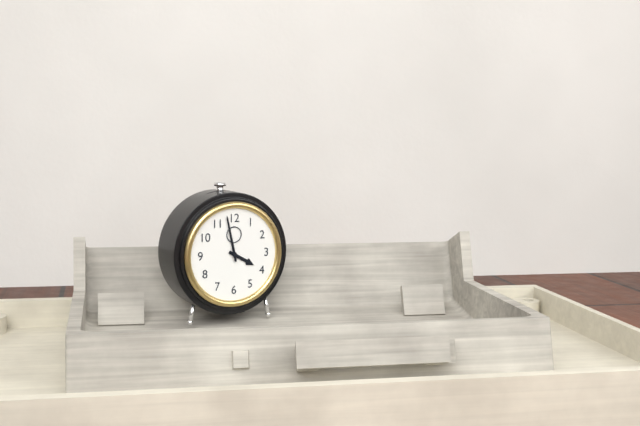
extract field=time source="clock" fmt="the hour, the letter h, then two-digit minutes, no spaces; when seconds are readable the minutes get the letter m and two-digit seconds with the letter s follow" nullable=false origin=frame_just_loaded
3h58
